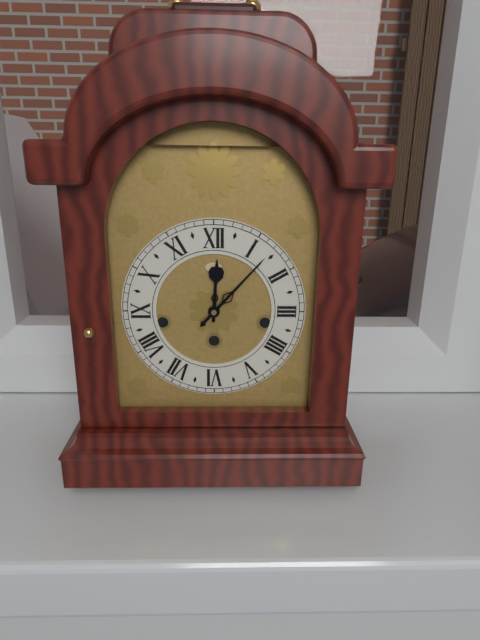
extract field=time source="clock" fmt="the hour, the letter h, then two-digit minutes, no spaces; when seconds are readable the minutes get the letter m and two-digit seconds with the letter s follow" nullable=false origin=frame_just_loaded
12h07
